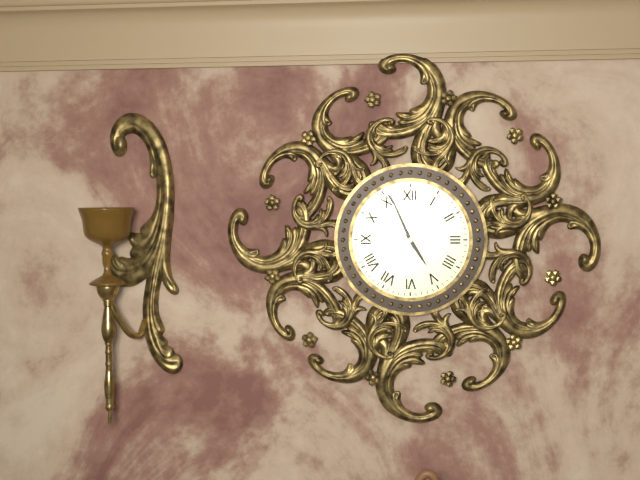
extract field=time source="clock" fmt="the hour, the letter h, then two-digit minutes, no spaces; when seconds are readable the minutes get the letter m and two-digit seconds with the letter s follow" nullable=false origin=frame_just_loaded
4h56
